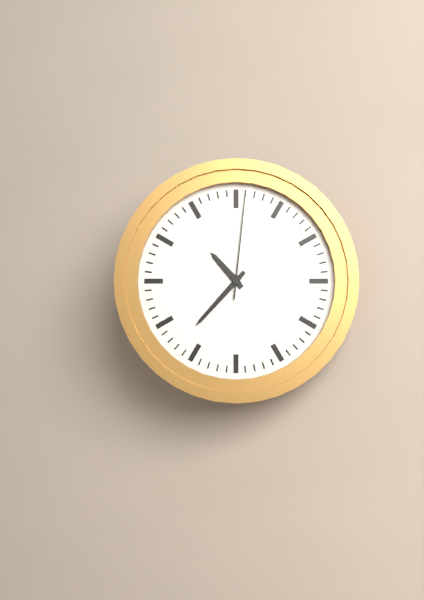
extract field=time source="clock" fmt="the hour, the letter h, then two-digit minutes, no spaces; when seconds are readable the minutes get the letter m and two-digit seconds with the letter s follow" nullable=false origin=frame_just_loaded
10h37m01s
